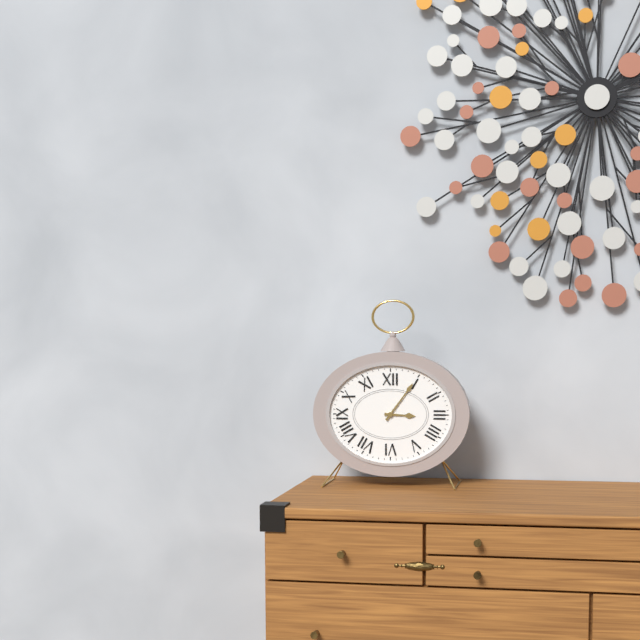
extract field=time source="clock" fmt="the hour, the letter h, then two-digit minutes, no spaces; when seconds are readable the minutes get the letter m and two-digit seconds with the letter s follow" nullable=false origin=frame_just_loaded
3h06
